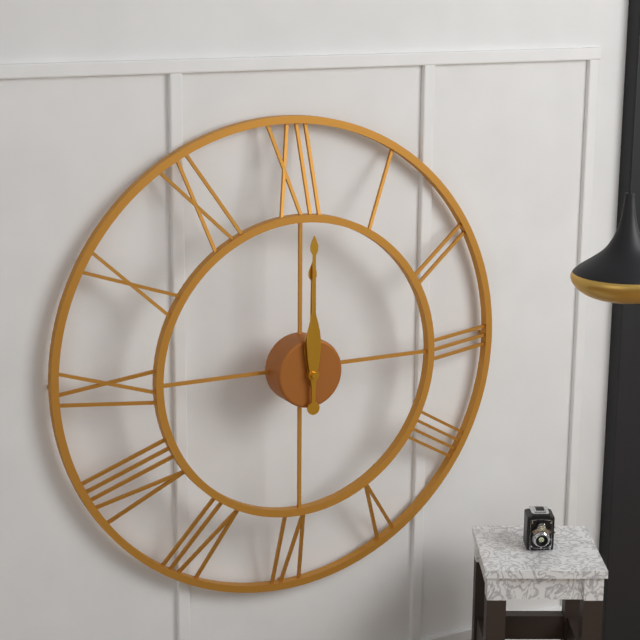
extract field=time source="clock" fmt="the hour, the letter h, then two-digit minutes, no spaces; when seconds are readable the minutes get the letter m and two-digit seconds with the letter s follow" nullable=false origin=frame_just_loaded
12h00
